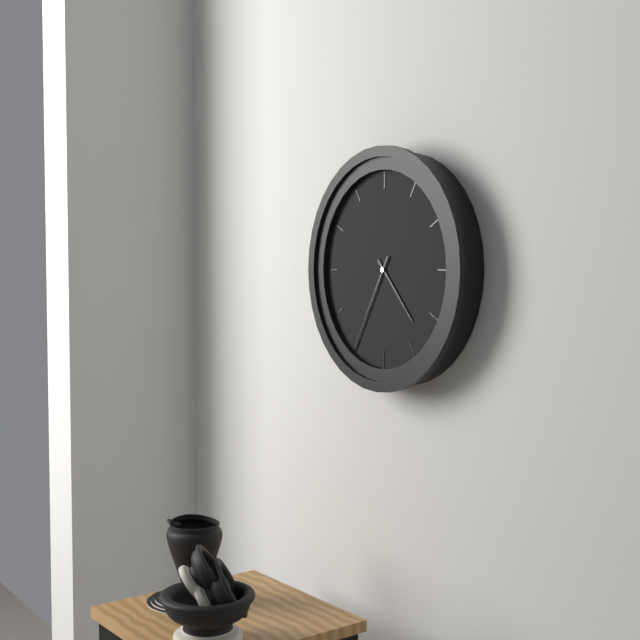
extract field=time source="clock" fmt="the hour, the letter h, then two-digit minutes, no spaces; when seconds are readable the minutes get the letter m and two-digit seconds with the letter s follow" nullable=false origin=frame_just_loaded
4h35
